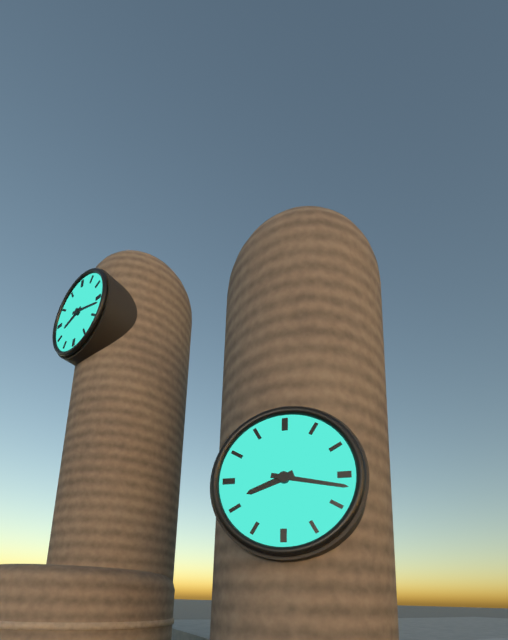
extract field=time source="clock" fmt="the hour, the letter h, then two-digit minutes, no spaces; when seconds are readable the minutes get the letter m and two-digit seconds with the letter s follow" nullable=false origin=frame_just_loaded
8h17
